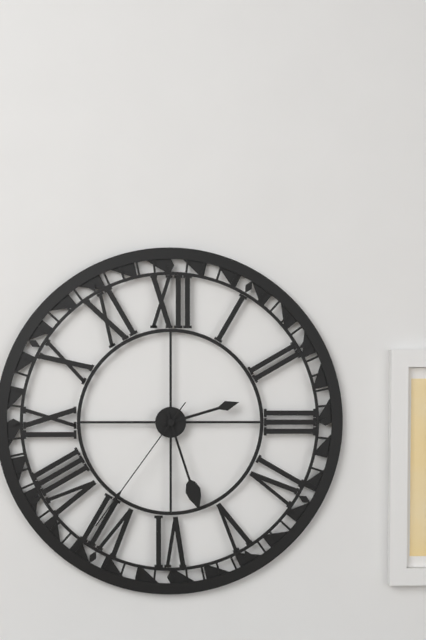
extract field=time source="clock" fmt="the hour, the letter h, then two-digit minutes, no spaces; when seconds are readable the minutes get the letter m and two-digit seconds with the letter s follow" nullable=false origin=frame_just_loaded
2h27m36s
